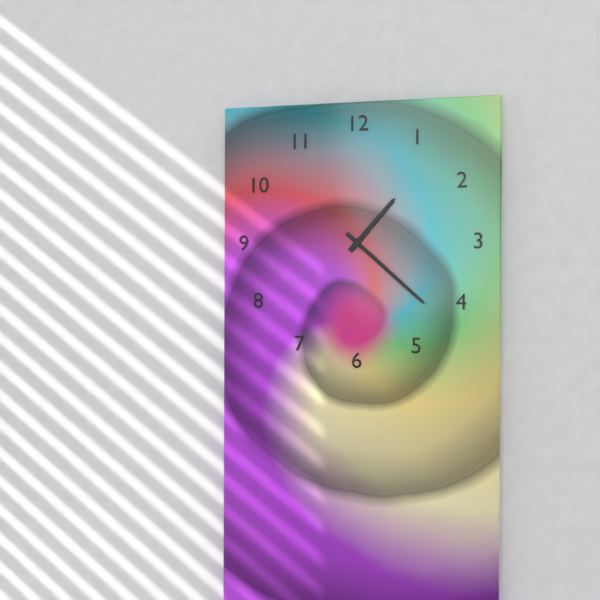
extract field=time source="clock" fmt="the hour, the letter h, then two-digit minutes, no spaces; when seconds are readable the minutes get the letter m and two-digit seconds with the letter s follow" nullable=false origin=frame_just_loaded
1h22
